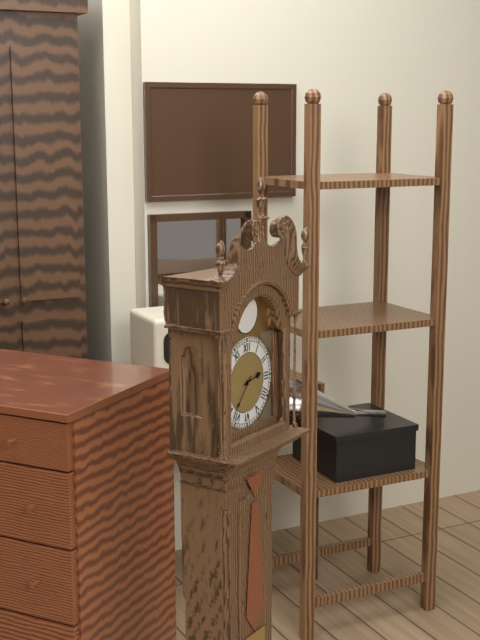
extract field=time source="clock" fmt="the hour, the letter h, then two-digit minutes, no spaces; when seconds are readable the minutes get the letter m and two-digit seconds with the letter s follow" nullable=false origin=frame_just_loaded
2h37
